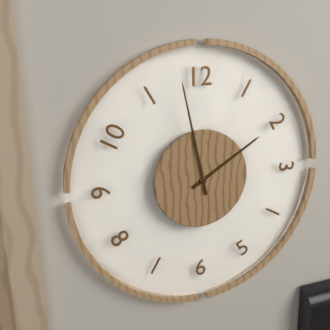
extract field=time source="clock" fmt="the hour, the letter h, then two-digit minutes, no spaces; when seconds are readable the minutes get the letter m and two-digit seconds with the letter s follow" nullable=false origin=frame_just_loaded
1h58
